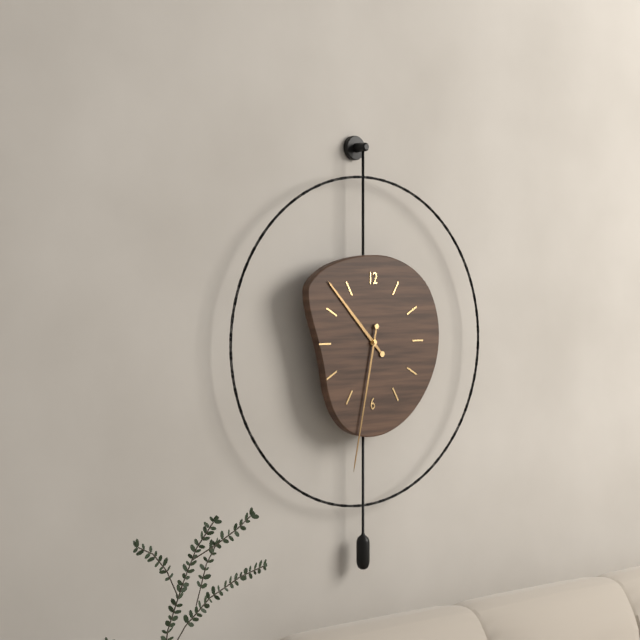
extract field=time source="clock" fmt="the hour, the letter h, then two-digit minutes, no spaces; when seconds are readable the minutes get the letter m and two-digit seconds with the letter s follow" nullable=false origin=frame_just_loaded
10h32
